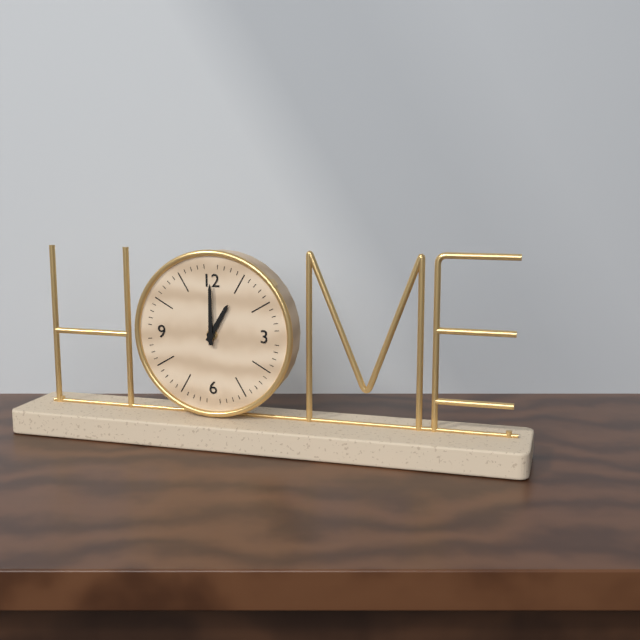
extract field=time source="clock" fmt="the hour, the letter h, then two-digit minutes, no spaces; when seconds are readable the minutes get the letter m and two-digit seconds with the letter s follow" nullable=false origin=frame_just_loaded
1h00
